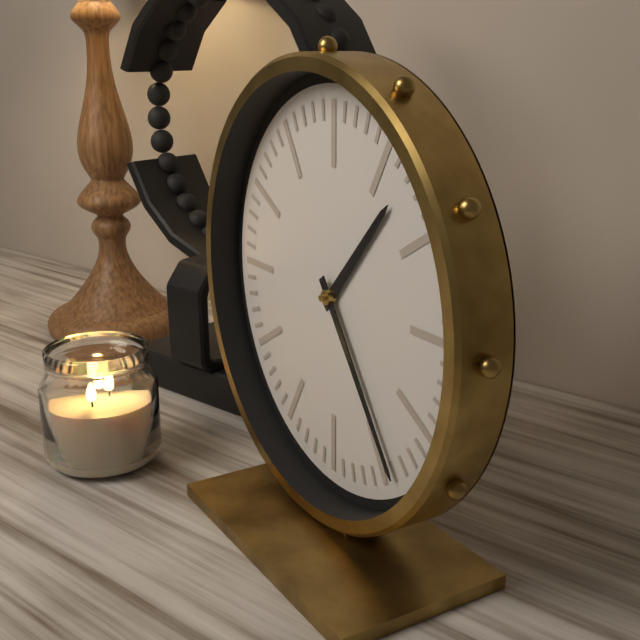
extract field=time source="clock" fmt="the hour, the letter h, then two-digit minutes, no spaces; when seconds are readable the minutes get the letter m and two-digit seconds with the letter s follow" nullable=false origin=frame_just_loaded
1h24
